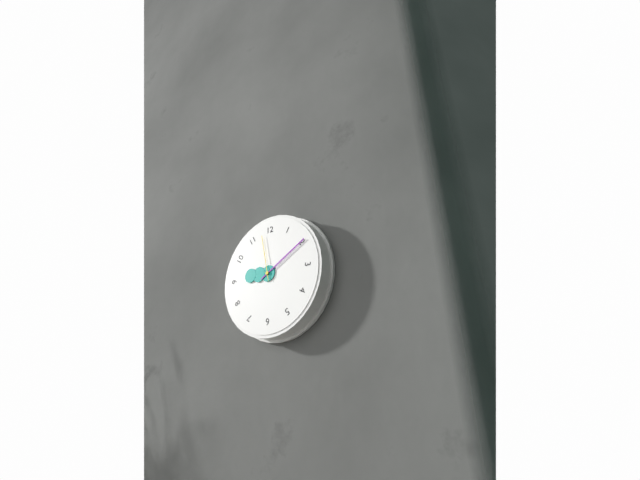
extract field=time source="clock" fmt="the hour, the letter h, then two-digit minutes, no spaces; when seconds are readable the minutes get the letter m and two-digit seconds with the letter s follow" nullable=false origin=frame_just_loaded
9h10m58s
